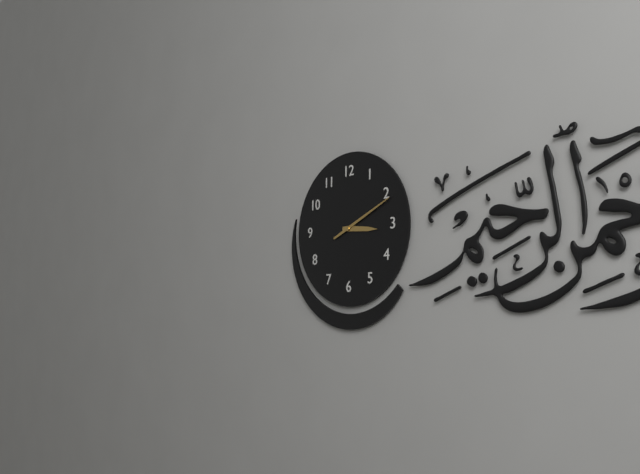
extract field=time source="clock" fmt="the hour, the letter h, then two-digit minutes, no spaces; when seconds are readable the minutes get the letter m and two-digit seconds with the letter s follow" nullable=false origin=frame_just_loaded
3h11
